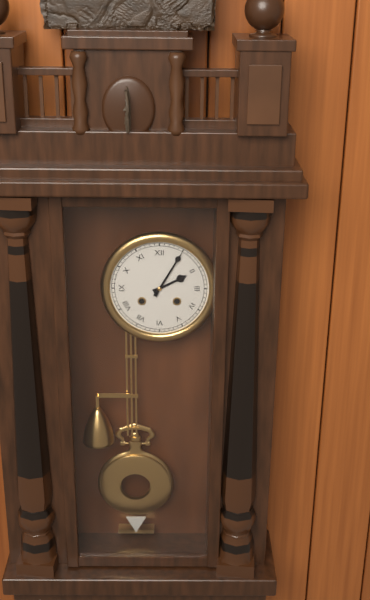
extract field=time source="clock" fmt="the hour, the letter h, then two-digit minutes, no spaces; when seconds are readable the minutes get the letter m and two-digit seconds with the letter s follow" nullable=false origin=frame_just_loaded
2h05
